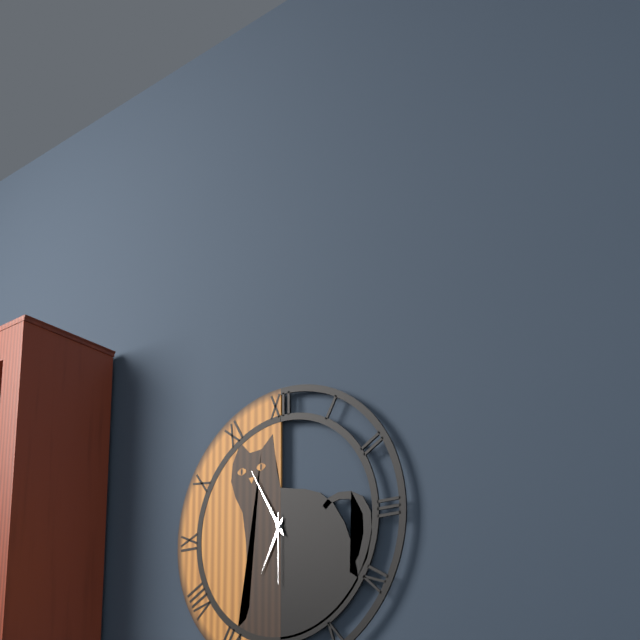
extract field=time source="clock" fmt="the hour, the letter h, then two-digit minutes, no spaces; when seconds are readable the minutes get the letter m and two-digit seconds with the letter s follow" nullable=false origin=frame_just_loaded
6h55m30s
